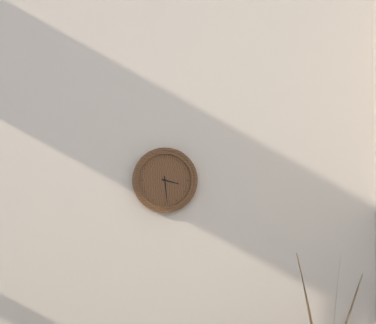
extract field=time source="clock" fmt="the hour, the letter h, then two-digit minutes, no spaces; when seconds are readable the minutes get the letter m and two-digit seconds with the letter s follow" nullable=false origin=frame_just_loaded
3h29
